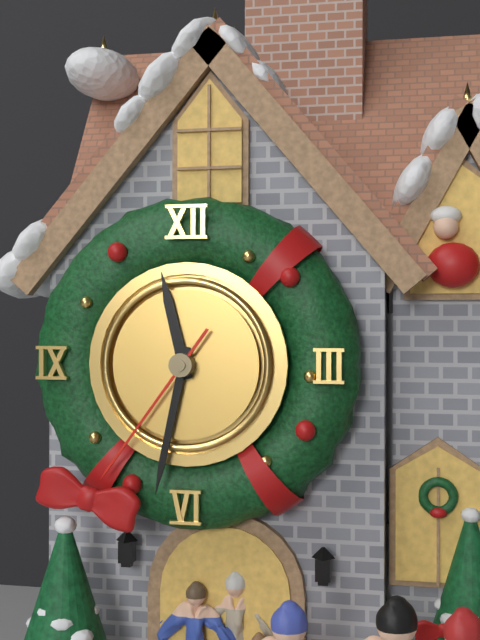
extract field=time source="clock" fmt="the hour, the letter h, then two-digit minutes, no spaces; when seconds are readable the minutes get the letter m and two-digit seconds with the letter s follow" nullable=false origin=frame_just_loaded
11h32m36s
